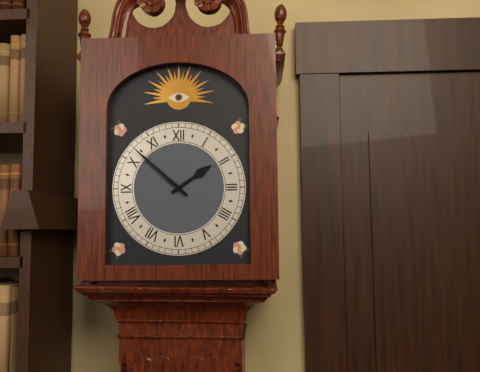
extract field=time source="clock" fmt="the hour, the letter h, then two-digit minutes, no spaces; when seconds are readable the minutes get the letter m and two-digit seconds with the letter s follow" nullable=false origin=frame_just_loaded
1h52
